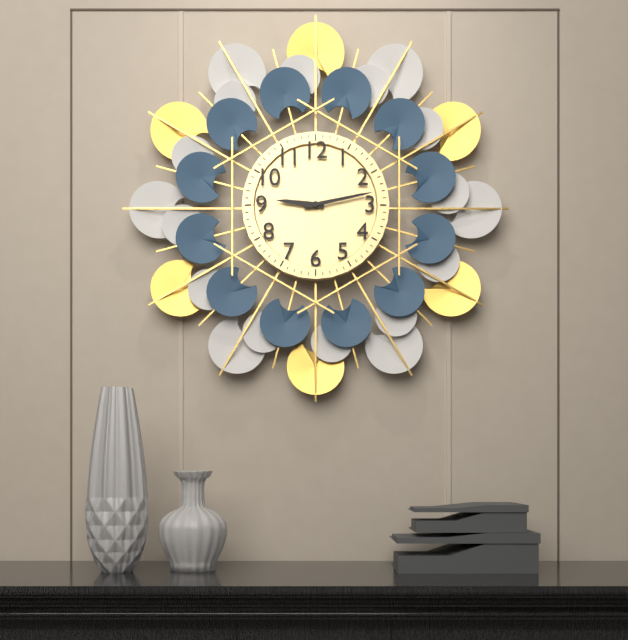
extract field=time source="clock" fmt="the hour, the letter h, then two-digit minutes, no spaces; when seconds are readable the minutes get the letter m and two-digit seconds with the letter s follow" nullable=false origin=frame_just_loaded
9h13
